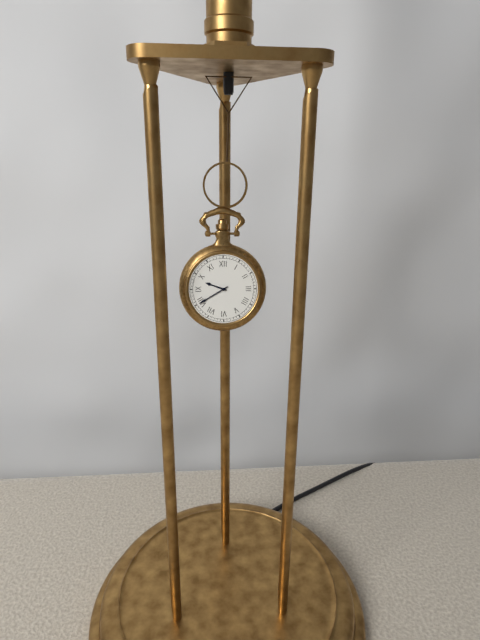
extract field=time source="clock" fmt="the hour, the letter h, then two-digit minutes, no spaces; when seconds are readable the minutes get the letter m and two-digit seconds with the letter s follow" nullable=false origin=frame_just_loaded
9h40
